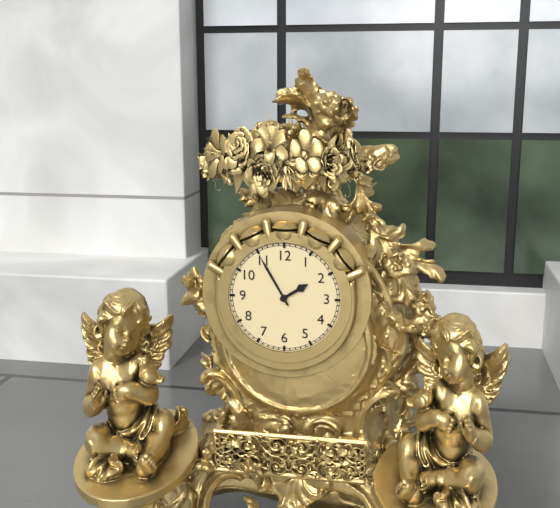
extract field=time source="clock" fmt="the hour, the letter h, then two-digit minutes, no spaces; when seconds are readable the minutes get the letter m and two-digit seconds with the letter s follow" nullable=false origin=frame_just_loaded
1h55
